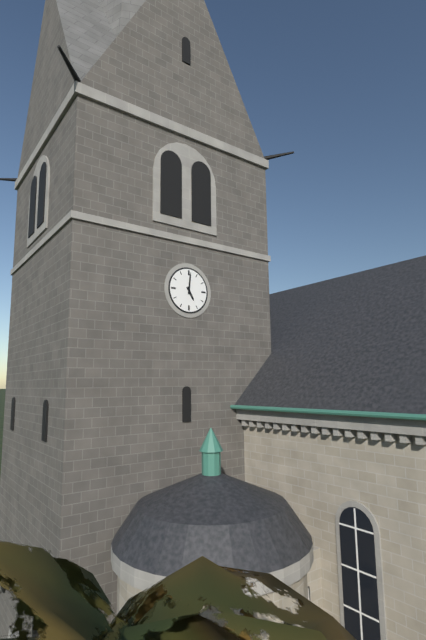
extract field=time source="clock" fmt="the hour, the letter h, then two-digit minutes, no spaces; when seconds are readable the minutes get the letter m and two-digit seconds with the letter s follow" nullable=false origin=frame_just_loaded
5h01
